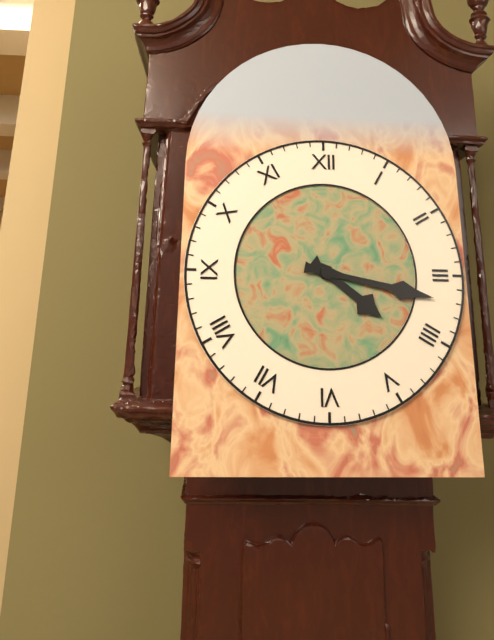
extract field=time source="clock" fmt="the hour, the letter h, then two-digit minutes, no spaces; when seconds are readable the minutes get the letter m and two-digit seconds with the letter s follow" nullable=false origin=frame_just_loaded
4h17
